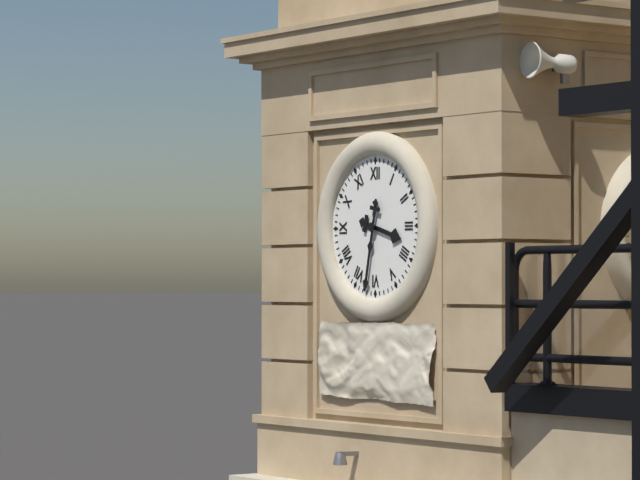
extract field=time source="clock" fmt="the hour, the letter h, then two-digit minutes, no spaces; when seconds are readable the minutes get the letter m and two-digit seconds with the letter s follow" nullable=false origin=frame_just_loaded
3h32
